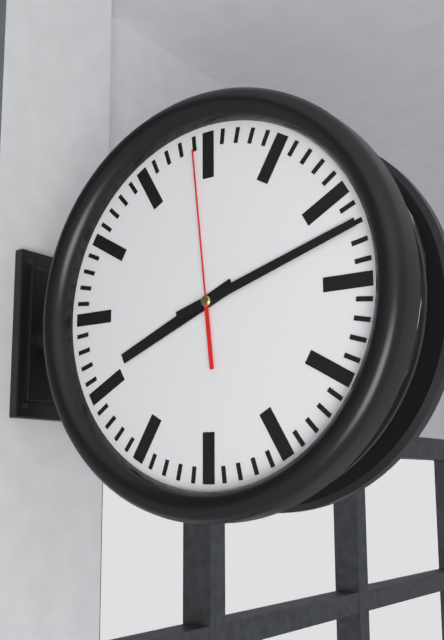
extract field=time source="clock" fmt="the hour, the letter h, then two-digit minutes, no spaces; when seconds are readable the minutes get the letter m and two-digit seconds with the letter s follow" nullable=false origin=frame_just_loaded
8h12m59s
